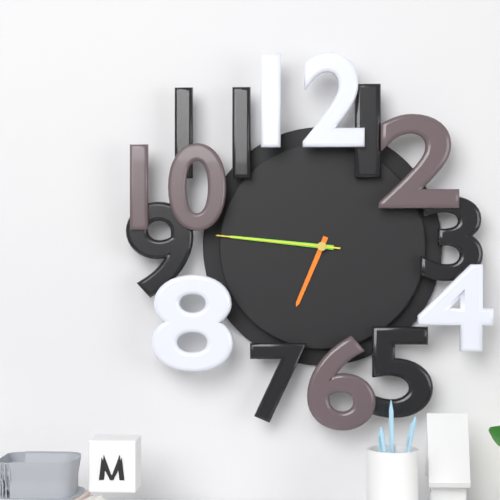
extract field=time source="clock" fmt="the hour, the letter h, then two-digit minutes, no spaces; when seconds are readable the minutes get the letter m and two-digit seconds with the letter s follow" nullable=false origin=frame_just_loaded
6h46m46s
